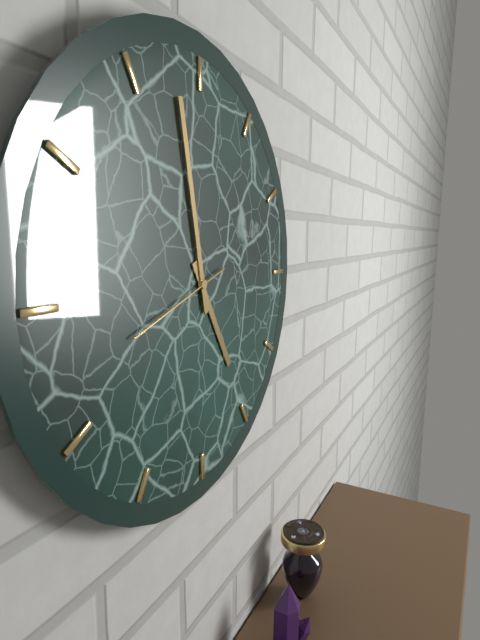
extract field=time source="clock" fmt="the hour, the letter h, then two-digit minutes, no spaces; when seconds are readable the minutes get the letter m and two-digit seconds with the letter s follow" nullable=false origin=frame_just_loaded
4h58m42s
